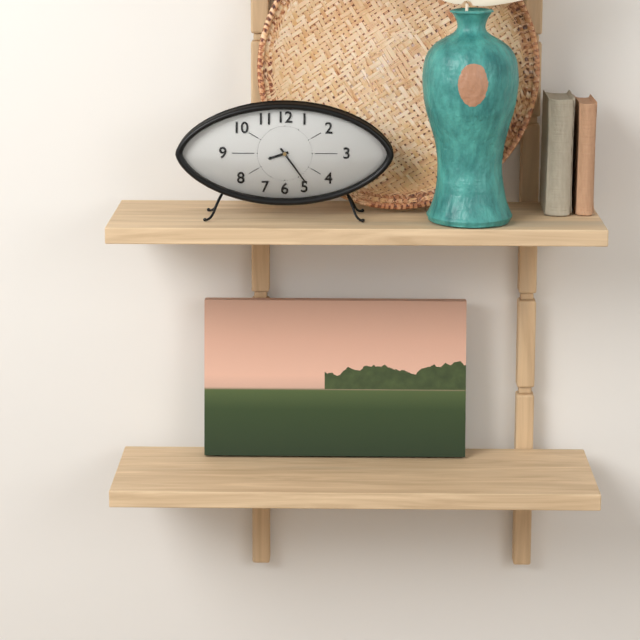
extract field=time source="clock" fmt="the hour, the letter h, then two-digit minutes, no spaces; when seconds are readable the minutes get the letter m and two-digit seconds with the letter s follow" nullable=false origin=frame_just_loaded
8h24
